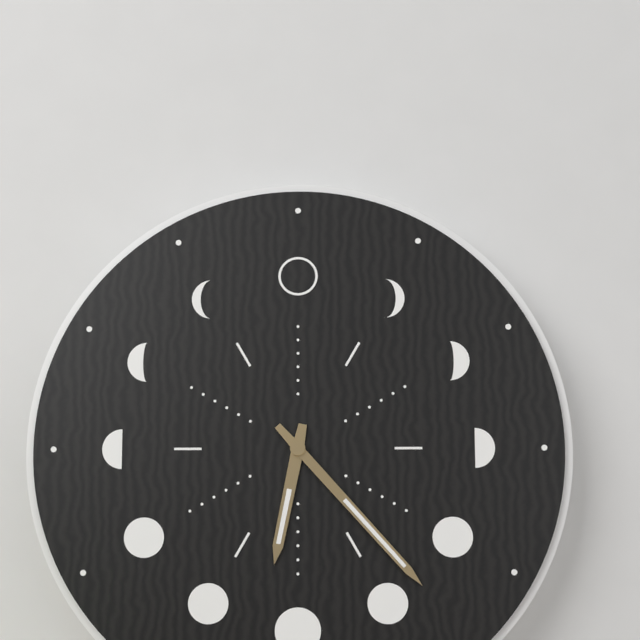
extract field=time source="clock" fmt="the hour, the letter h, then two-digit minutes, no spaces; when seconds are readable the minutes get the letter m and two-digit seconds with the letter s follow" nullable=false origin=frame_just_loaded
6h23
